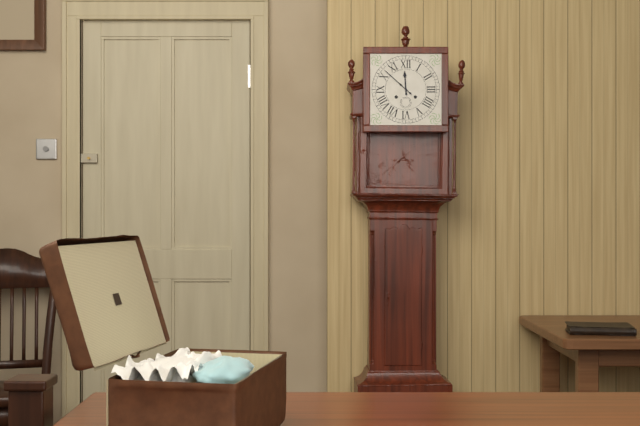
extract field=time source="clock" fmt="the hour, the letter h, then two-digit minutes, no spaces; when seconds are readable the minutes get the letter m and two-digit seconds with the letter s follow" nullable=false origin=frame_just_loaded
11h52
